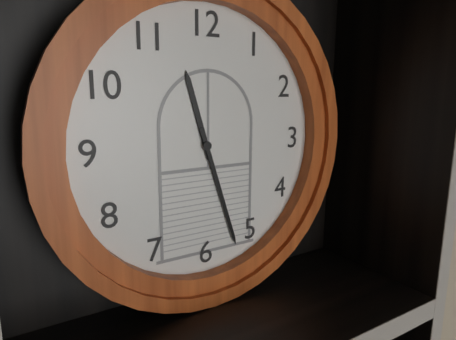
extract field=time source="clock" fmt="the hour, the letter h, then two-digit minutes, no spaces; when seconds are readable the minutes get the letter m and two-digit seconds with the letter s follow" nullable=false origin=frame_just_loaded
11h27
